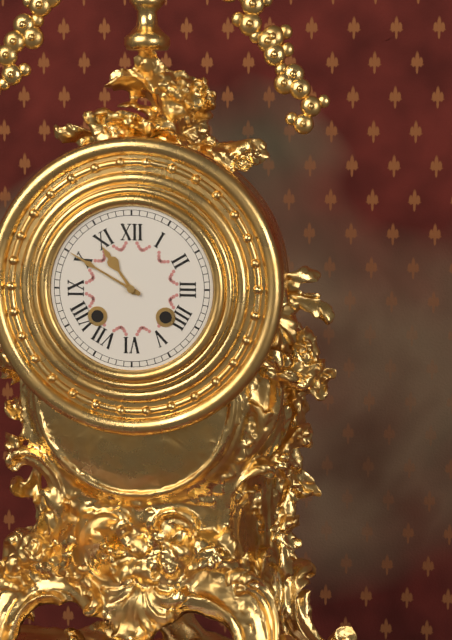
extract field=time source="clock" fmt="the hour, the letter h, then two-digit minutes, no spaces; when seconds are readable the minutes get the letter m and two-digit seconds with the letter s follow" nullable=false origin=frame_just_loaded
10h50
